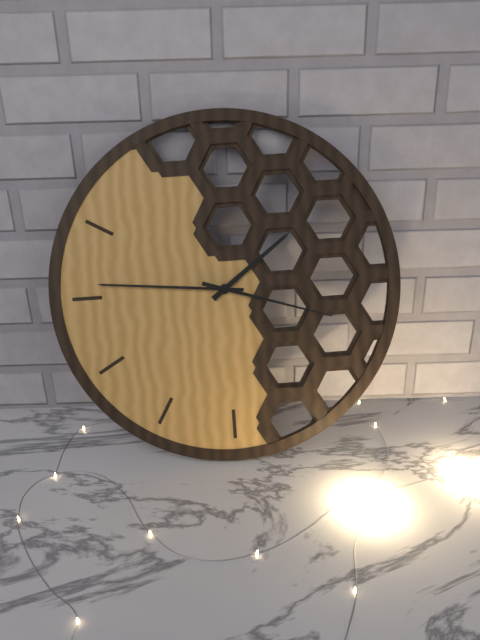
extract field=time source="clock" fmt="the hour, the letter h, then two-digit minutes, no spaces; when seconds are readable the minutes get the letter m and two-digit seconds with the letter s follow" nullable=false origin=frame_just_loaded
1h46m18s
